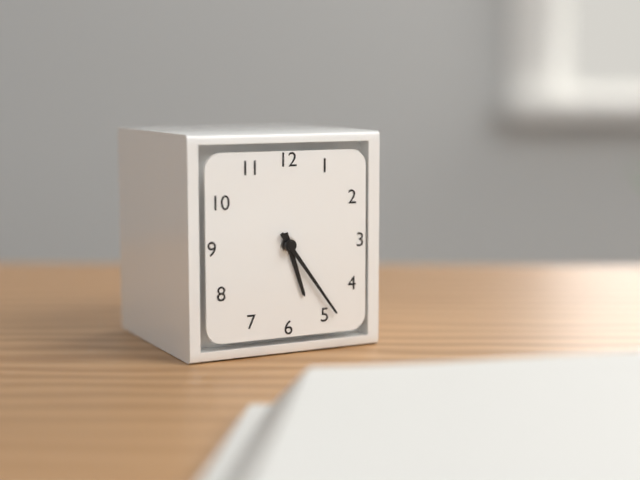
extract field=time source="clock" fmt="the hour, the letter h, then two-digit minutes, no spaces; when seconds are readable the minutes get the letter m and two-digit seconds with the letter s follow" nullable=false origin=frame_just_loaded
5h24
